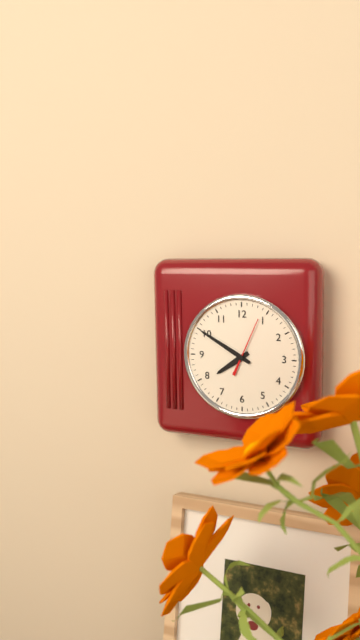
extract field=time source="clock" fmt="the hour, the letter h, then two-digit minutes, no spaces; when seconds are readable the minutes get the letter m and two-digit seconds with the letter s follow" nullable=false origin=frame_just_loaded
7h50m04s
